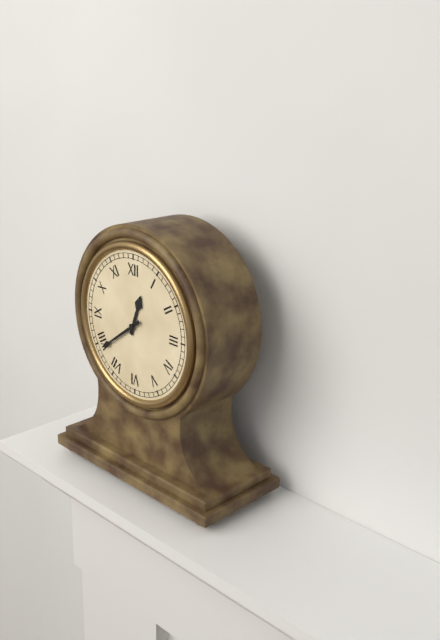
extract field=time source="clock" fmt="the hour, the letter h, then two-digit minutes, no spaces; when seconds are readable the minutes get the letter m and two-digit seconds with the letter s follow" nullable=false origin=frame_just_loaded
12h39
